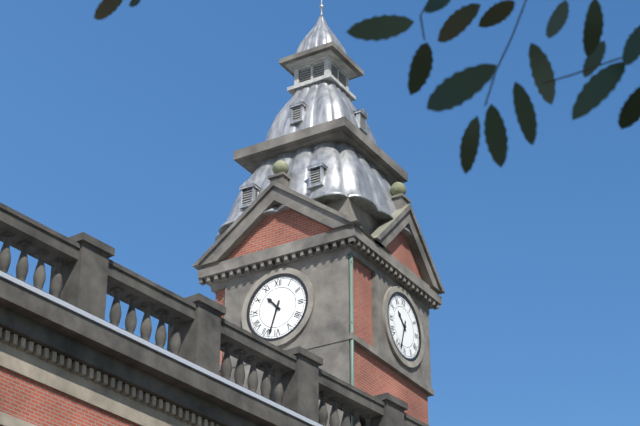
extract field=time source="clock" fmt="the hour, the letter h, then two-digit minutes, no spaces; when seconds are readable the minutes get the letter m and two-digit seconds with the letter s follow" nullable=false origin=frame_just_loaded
10h33
